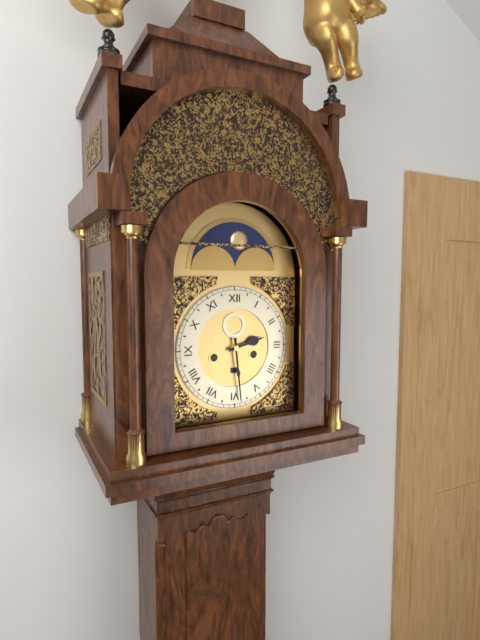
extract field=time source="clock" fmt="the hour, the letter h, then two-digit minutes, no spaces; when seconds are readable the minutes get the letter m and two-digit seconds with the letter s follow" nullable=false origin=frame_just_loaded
2h29
